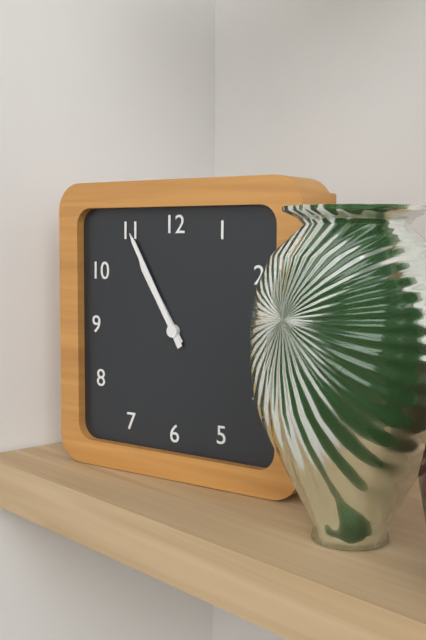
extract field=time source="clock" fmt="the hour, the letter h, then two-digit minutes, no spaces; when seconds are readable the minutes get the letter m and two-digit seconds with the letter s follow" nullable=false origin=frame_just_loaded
10h55
